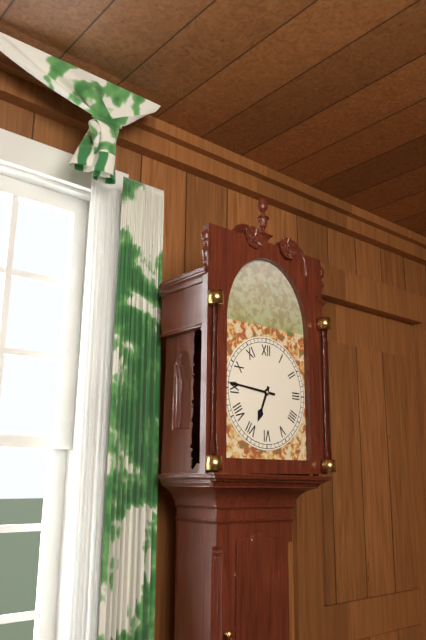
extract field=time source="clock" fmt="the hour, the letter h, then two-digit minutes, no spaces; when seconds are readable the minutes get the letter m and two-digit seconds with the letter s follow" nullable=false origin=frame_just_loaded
6h46
